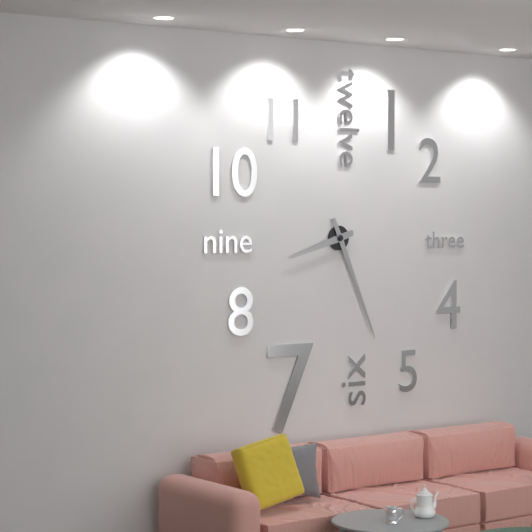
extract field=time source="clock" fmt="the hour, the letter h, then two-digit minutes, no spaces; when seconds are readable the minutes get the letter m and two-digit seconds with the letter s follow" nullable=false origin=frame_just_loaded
8h26
